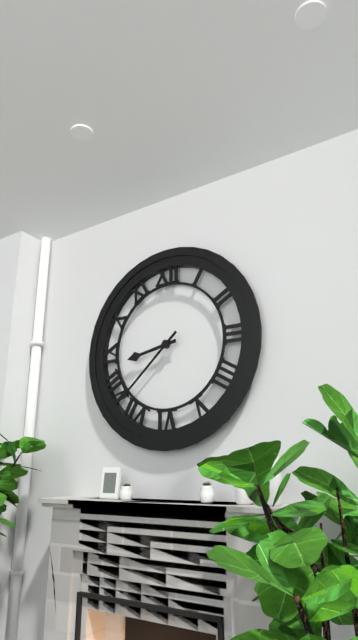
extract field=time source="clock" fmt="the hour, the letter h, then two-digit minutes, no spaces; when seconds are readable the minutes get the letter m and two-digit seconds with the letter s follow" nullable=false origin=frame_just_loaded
8h38
